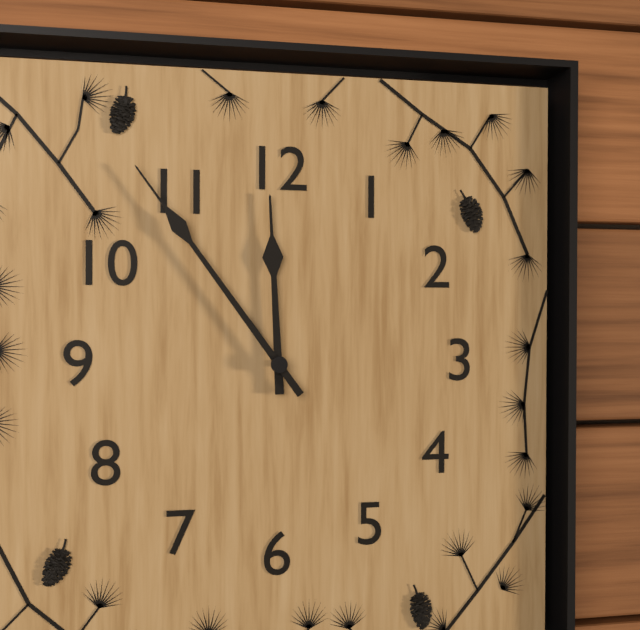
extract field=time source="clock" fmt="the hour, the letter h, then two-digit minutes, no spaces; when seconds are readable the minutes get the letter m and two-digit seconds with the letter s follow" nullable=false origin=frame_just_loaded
11h54
